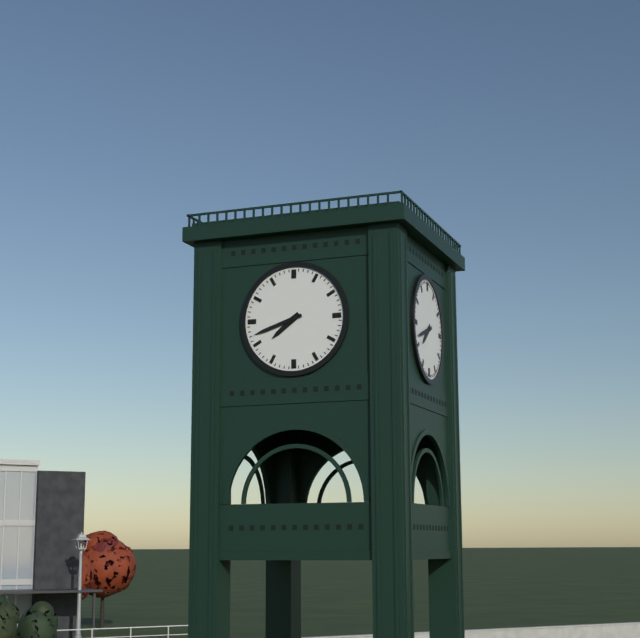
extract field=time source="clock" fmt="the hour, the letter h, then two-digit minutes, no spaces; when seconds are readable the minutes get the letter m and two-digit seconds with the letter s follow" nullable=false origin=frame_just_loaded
7h42
